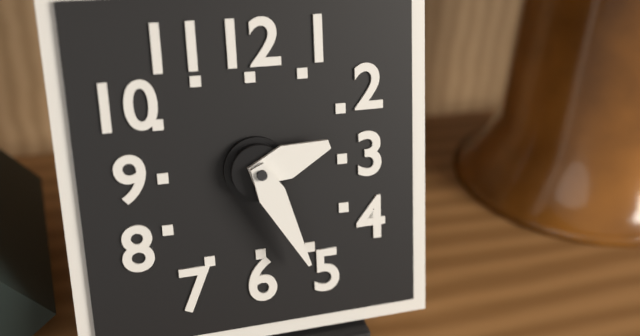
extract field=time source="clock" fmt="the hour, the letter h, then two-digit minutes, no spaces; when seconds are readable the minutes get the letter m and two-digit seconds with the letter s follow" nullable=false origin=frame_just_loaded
2h26
